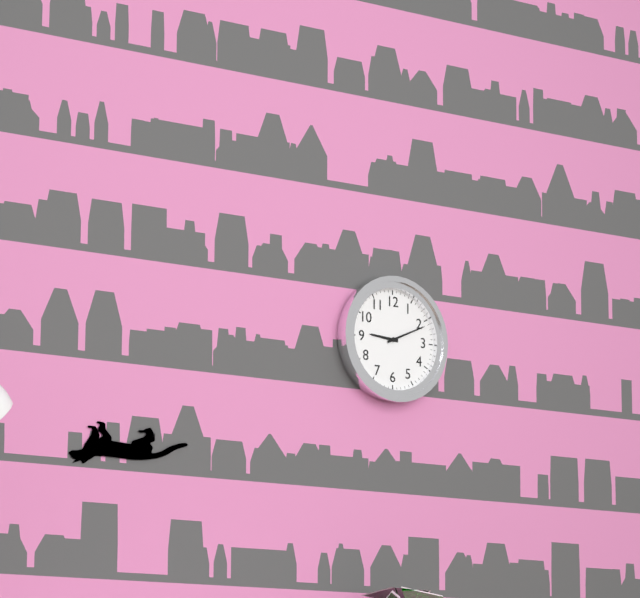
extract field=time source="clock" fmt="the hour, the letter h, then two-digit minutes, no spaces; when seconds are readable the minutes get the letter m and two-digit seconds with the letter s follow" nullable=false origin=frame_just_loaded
9h11
